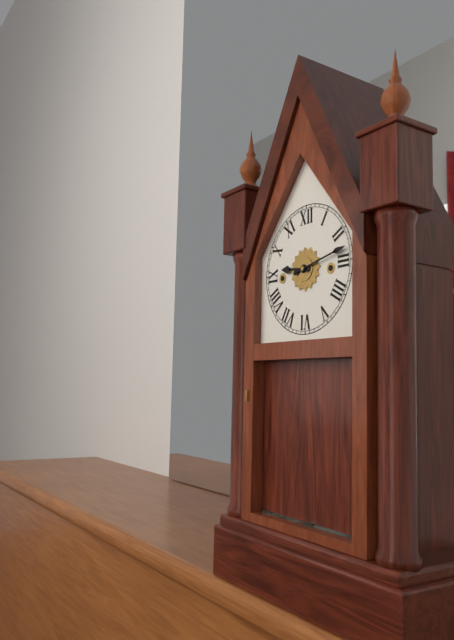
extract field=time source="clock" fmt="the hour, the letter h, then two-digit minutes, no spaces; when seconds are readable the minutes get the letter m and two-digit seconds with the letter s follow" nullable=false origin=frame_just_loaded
9h13
